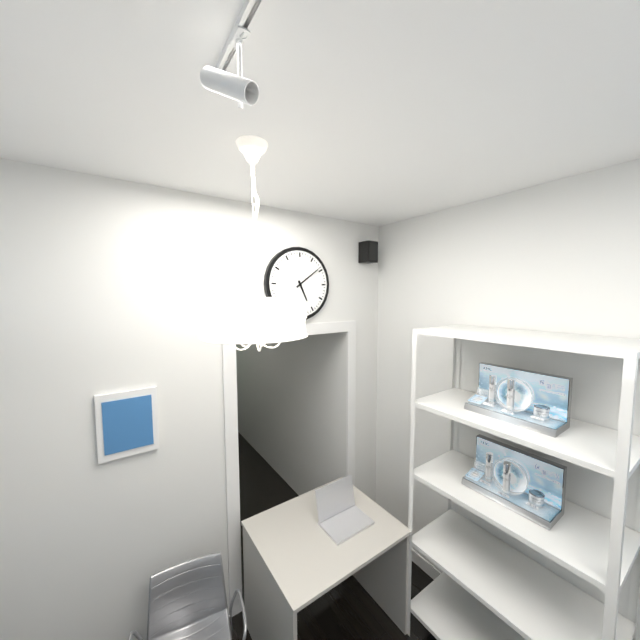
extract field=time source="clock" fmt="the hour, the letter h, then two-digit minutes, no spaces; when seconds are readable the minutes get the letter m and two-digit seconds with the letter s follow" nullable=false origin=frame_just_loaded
5h09
